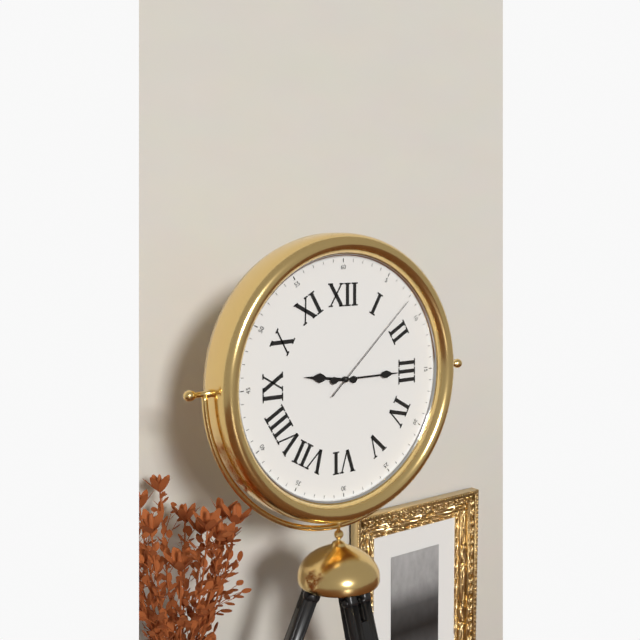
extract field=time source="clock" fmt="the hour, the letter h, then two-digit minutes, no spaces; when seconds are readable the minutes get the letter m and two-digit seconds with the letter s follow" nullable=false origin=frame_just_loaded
9h15m08s
